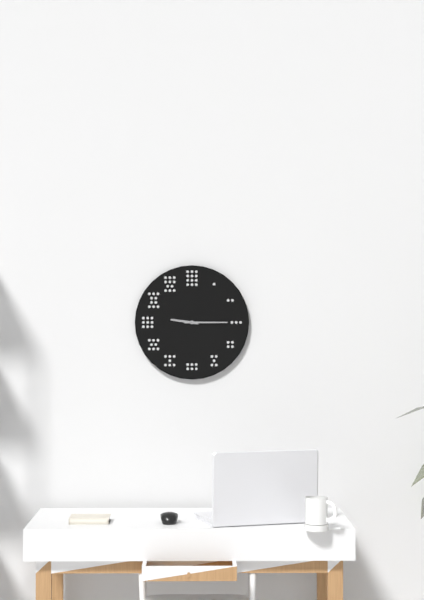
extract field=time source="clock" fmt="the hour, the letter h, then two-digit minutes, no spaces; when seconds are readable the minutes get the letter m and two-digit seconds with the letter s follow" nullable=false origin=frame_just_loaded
9h15
